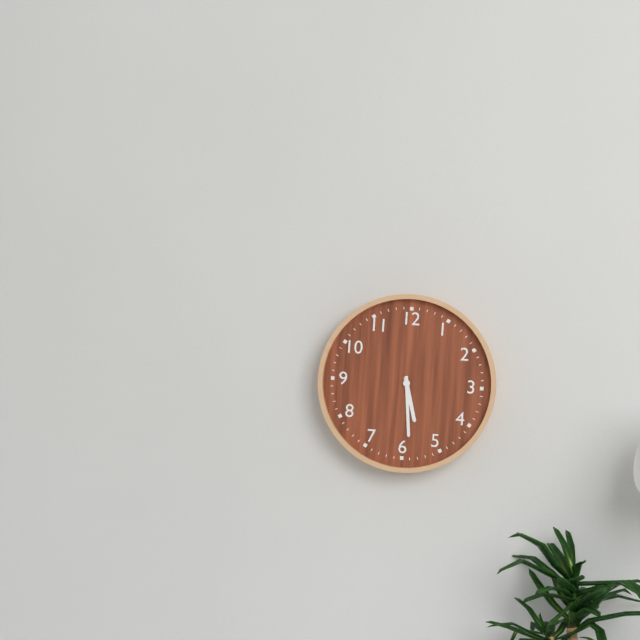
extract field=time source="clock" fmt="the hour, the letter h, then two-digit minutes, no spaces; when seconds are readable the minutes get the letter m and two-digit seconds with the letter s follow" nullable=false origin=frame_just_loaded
5h29
